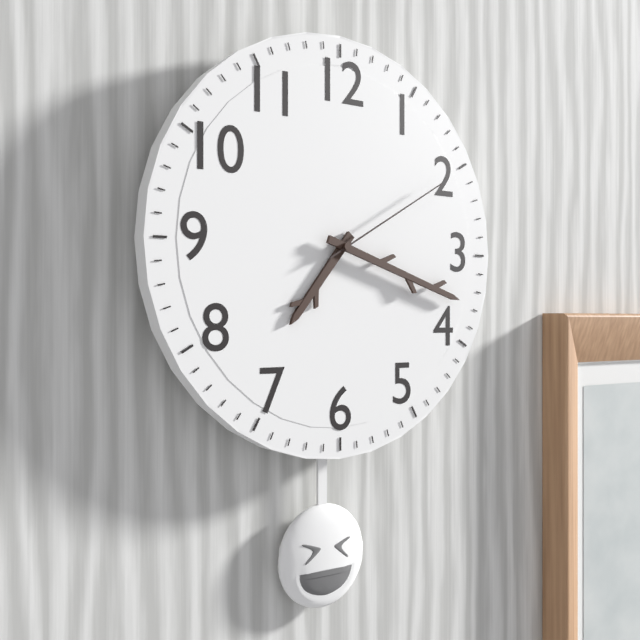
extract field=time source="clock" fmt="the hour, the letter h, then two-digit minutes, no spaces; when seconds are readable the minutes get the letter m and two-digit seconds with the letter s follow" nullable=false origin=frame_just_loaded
7h18m10s
